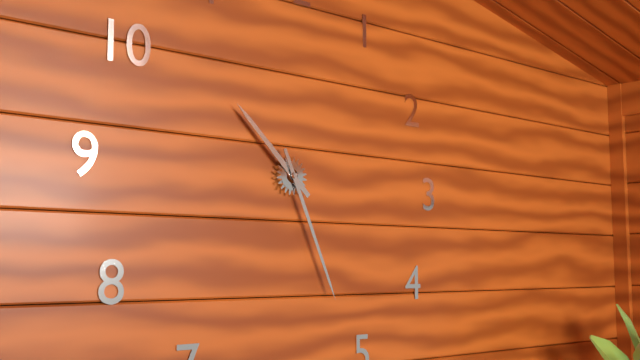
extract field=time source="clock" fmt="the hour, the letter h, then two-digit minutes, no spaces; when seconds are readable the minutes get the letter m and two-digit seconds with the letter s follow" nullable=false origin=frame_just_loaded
10h26
